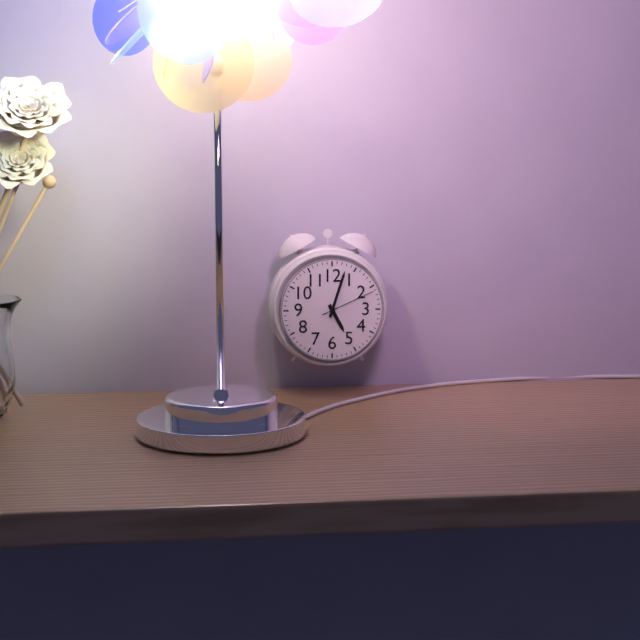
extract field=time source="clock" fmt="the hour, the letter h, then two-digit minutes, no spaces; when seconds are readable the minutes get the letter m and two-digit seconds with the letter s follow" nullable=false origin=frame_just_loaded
5h03m11s
